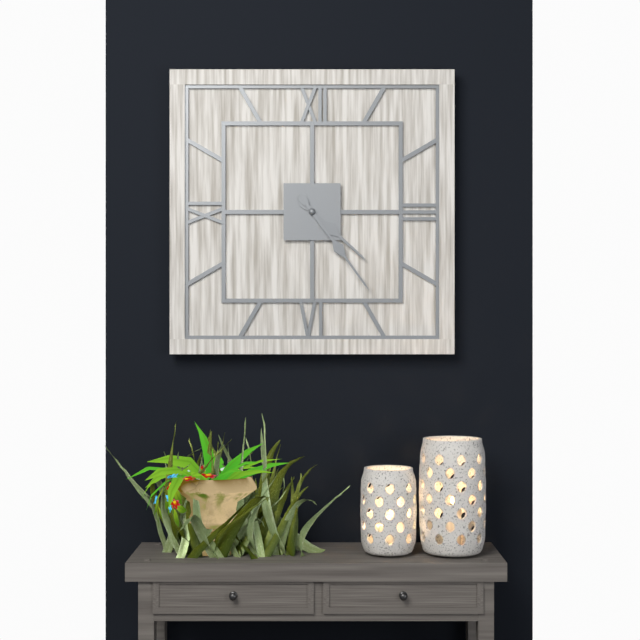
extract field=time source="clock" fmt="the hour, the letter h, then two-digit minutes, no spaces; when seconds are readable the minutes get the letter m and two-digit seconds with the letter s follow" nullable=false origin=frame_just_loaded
4h24
